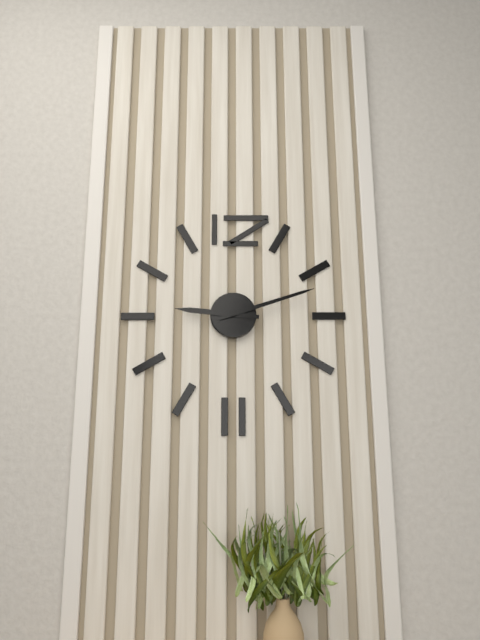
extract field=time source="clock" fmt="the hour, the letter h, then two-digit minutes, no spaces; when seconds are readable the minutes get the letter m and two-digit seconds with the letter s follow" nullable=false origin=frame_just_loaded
9h12
